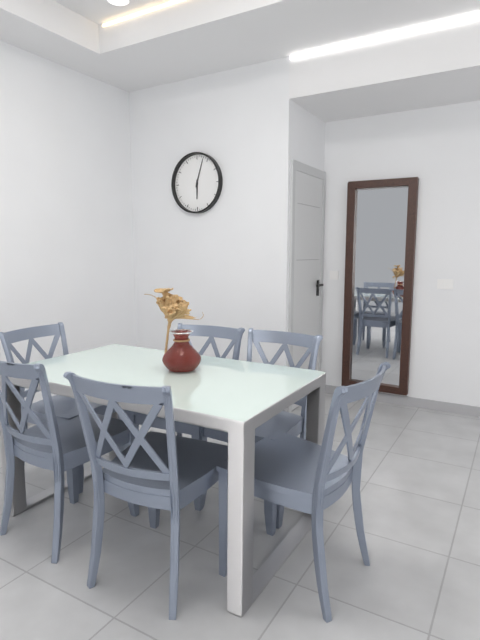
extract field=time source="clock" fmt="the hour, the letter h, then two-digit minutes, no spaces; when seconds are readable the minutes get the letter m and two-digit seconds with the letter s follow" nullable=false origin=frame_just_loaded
6h03
